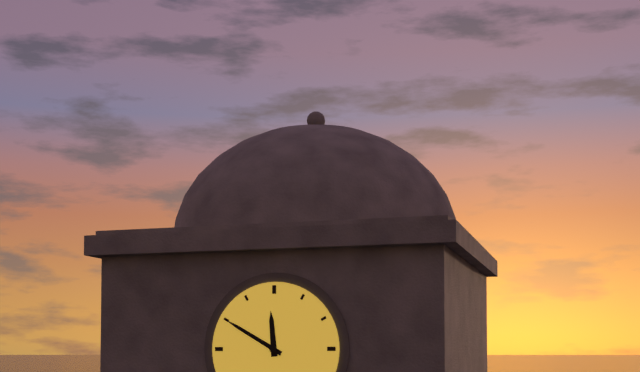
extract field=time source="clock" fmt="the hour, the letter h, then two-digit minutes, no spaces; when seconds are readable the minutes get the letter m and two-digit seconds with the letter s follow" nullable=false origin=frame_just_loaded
11h50
